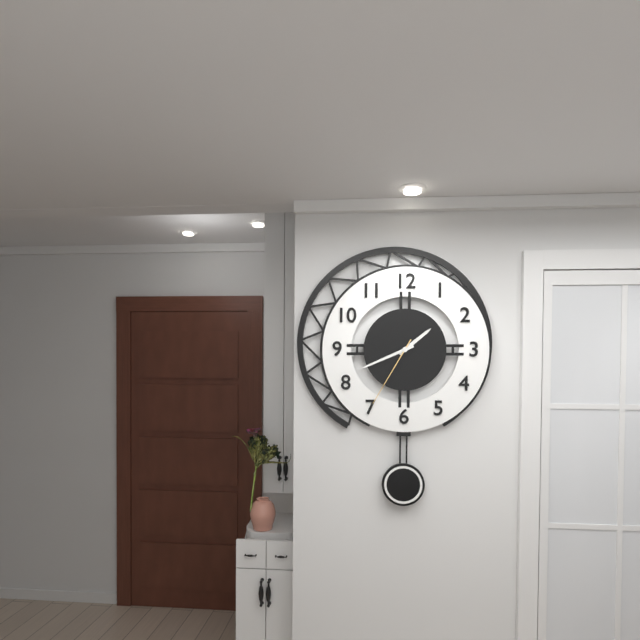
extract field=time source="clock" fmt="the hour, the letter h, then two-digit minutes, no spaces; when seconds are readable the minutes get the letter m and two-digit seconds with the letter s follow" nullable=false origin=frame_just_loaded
1h41m35s
